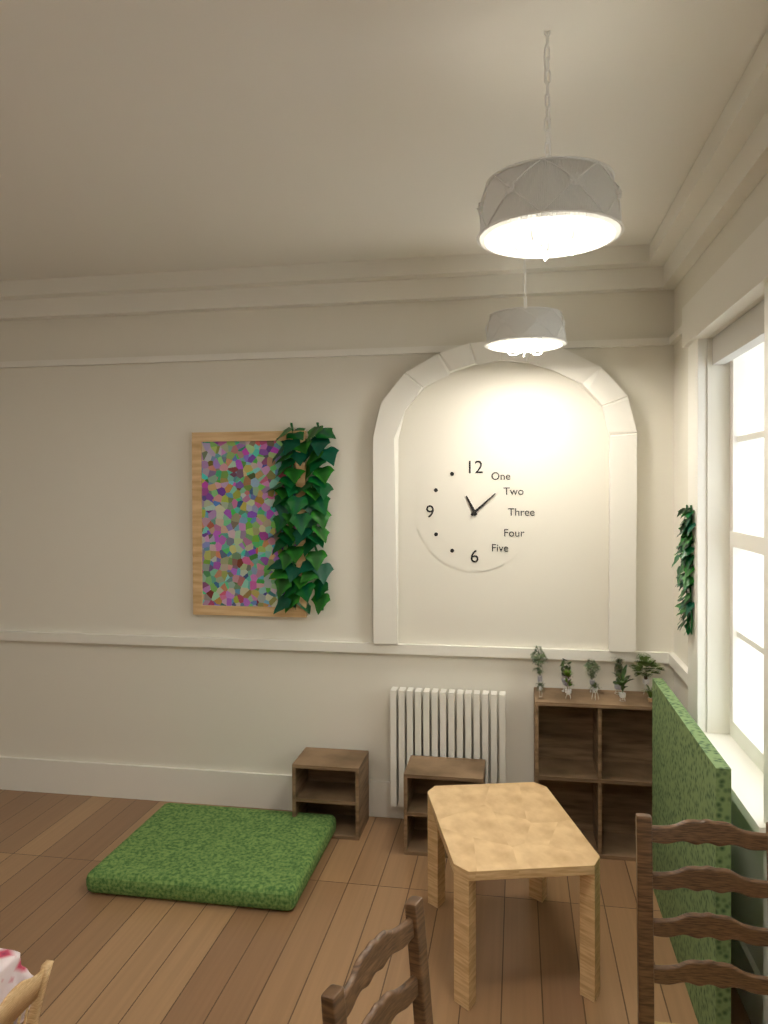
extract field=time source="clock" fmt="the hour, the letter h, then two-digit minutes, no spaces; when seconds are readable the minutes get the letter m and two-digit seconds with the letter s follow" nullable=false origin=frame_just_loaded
11h08
